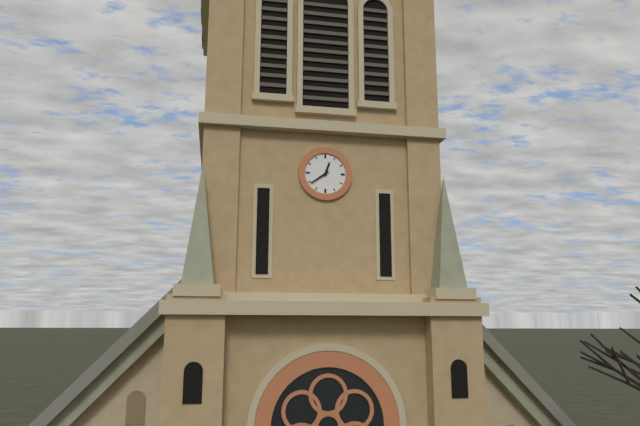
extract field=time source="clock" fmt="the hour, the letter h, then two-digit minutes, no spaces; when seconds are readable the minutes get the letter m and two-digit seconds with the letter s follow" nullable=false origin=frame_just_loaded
12h39
